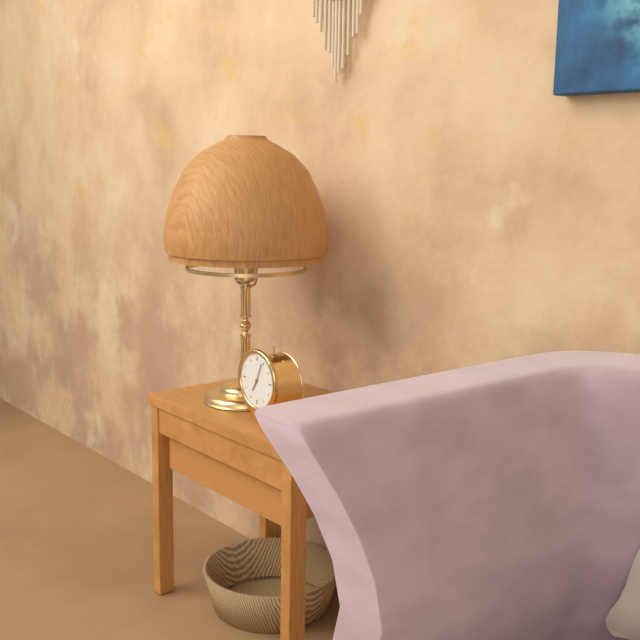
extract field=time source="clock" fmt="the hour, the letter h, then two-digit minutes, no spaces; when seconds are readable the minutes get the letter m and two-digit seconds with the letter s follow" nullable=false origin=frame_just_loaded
7h04
